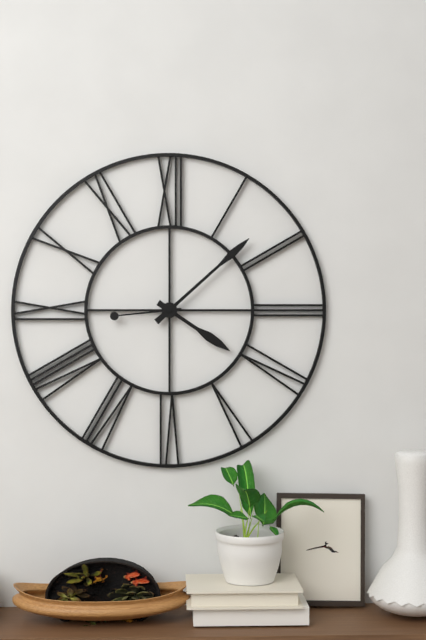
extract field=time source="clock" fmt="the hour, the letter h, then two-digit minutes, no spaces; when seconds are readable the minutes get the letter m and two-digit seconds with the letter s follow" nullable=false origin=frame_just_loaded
4h08m44s
